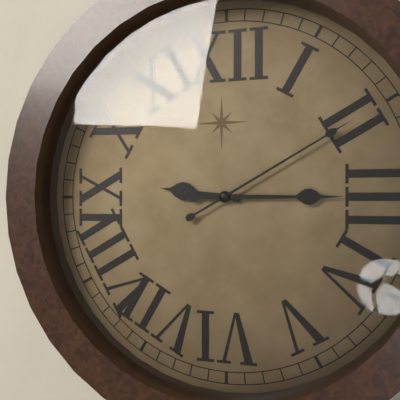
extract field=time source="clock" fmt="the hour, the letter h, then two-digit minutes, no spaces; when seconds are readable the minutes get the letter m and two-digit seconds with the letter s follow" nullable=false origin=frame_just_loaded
9h15m10s
